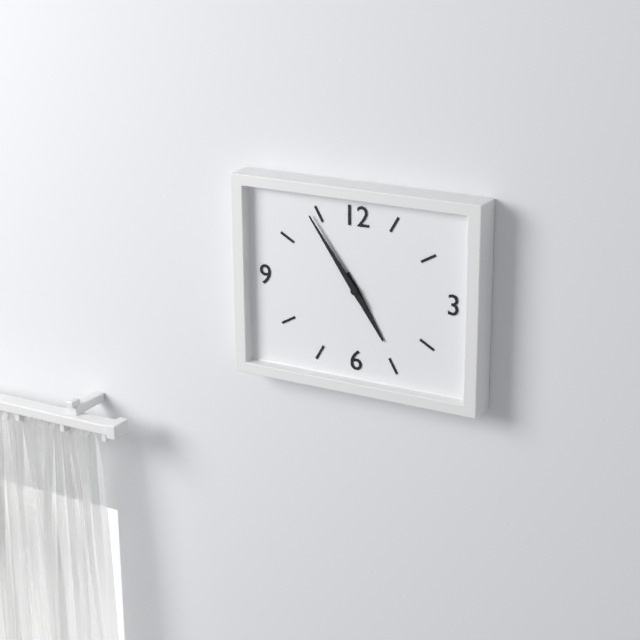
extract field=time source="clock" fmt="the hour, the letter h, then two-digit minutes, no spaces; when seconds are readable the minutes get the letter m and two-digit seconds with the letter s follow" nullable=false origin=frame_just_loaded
4h54
